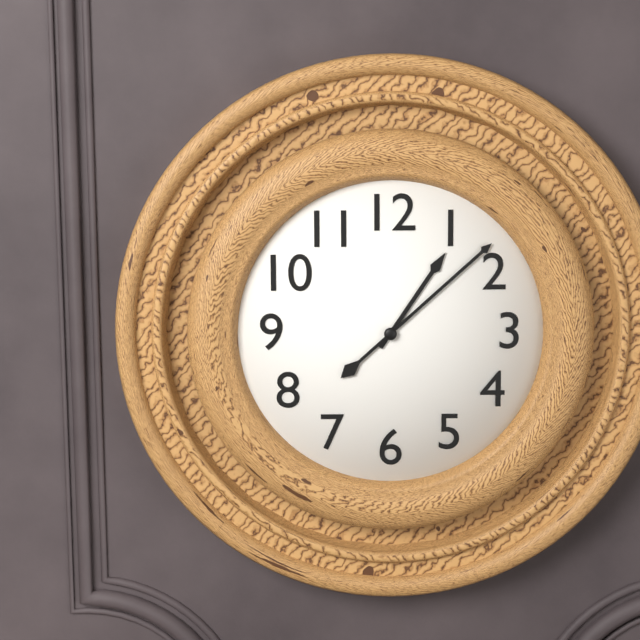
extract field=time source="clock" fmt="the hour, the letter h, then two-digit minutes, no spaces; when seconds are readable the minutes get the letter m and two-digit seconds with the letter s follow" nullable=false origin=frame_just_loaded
1h08
